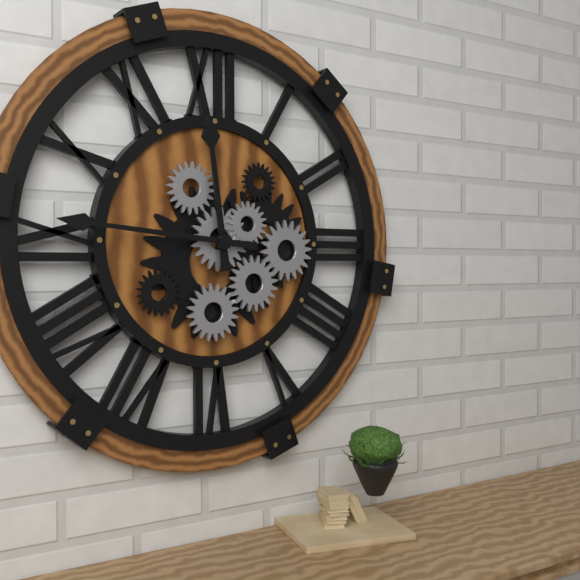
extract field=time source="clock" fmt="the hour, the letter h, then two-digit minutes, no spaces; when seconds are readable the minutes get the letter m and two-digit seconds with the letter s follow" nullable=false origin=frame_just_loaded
11h46
